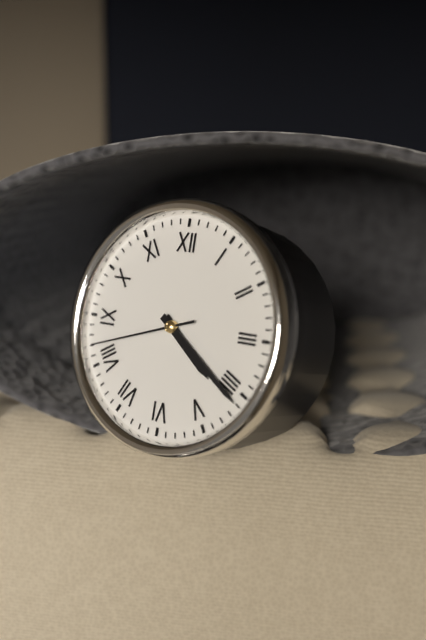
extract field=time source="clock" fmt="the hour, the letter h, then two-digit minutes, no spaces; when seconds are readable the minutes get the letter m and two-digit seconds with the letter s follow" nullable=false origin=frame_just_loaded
4h21m42s
